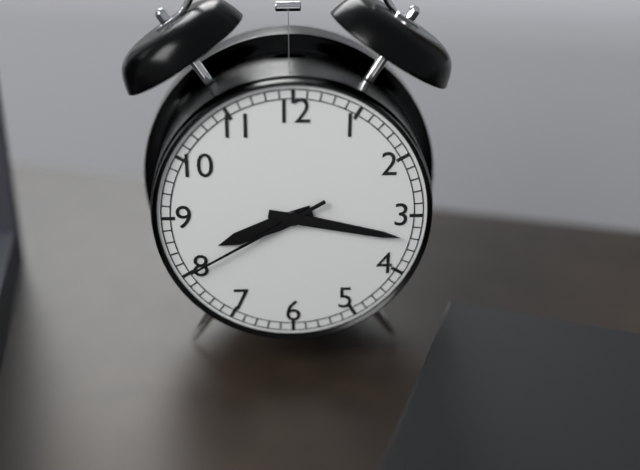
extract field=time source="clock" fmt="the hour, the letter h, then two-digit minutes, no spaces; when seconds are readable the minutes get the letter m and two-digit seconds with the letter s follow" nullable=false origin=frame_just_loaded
8h17m40s
